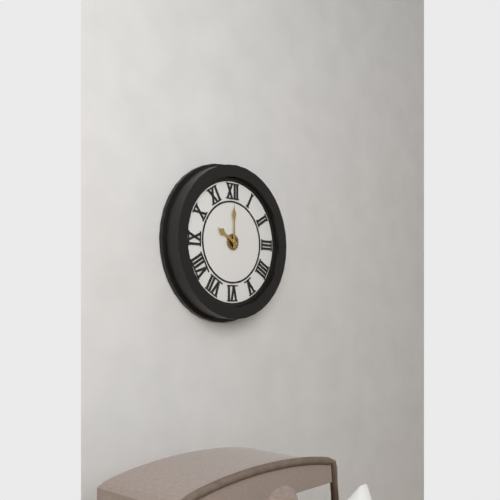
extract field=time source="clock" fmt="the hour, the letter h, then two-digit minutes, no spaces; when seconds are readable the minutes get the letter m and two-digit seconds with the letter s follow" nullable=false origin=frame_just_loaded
10h00
